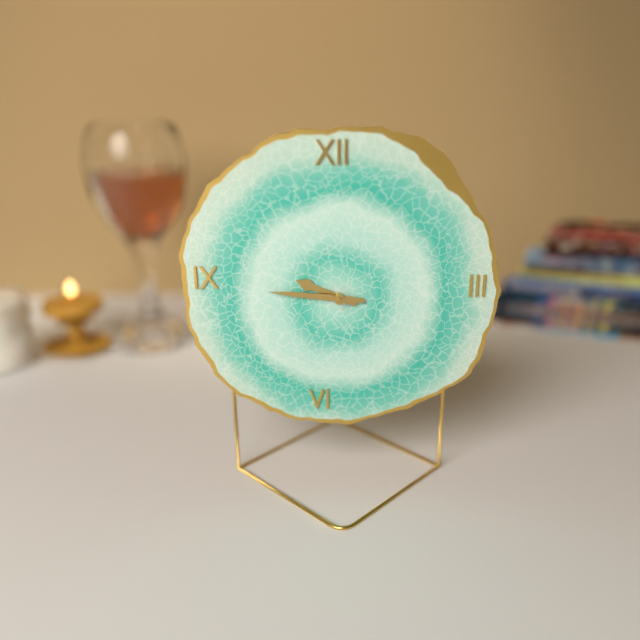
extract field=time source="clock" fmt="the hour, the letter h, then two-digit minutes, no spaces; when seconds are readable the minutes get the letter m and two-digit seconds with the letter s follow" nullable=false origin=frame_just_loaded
9h46
